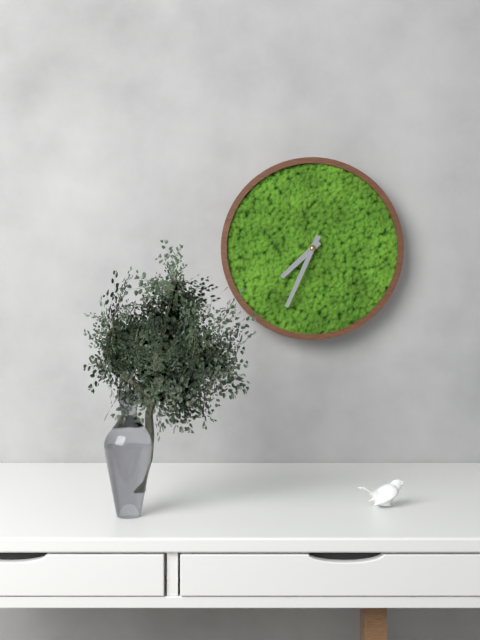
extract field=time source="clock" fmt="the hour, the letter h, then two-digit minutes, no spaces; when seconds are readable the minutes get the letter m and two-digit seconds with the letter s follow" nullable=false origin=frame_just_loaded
7h34
